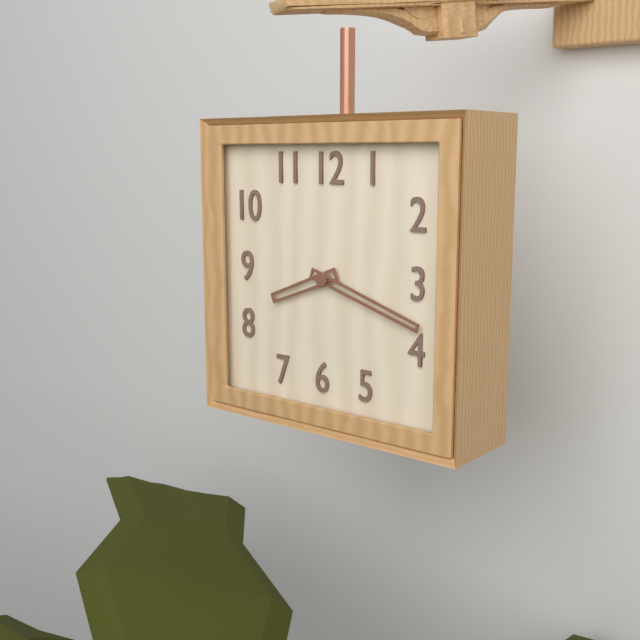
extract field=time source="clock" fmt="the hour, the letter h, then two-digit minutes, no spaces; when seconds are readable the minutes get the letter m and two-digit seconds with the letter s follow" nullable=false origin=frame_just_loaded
8h18
